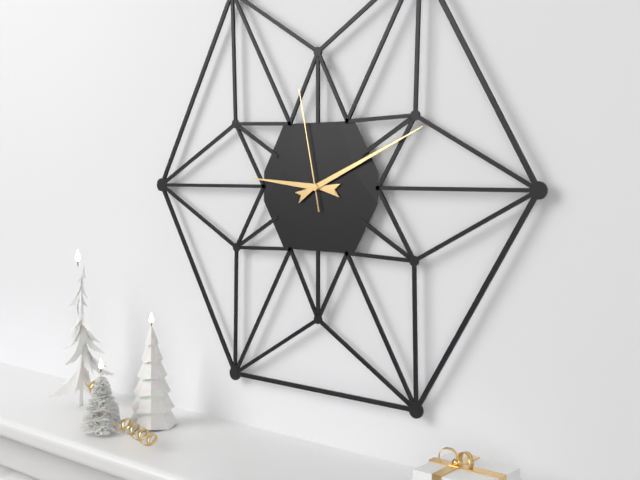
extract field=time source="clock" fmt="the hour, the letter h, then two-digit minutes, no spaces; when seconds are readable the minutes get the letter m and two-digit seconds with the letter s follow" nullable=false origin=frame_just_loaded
9h11m58s
